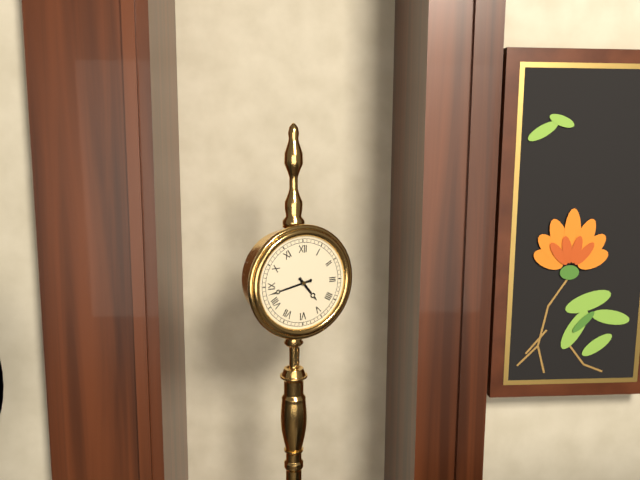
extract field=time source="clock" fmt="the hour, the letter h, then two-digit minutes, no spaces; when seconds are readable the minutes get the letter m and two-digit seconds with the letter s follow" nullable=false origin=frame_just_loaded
4h43
